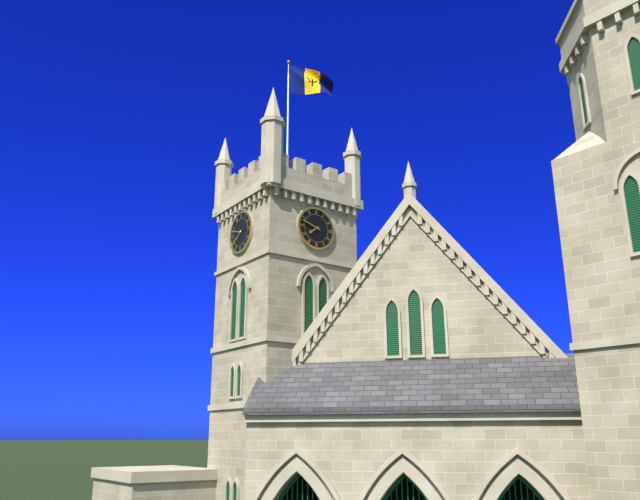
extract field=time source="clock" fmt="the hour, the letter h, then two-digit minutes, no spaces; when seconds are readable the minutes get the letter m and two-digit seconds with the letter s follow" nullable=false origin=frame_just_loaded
7h48
